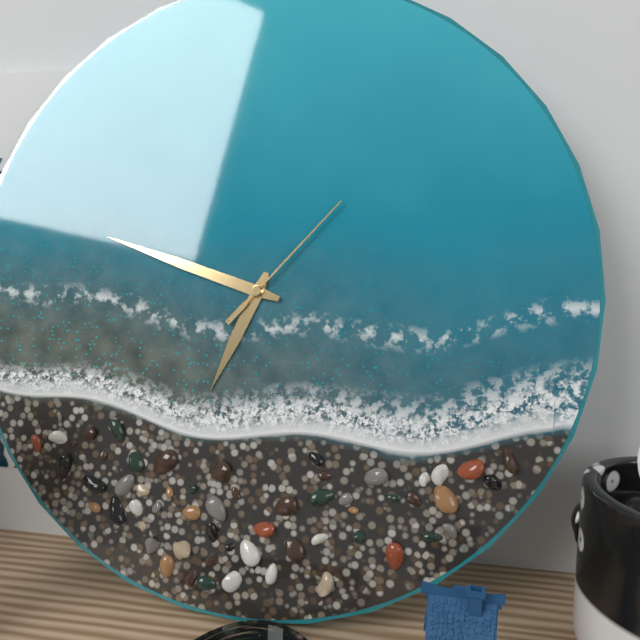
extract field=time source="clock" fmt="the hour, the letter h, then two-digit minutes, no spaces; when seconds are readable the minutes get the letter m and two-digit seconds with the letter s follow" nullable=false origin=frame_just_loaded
6h48m07s
